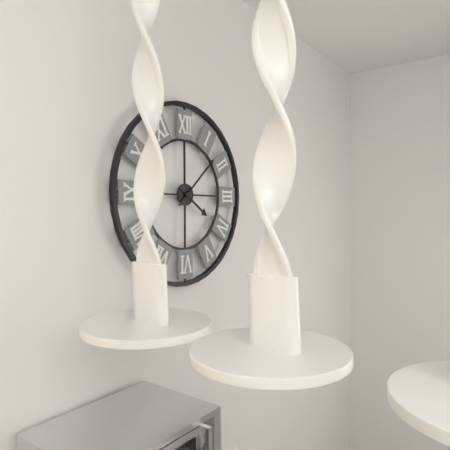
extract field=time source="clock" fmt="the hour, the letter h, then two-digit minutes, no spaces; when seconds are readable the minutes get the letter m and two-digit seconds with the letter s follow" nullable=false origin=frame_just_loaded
4h08
